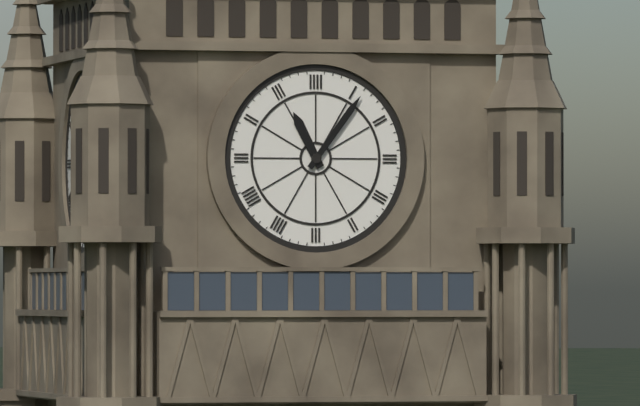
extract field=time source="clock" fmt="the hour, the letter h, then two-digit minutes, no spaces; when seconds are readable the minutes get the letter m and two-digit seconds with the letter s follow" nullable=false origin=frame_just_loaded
11h06
